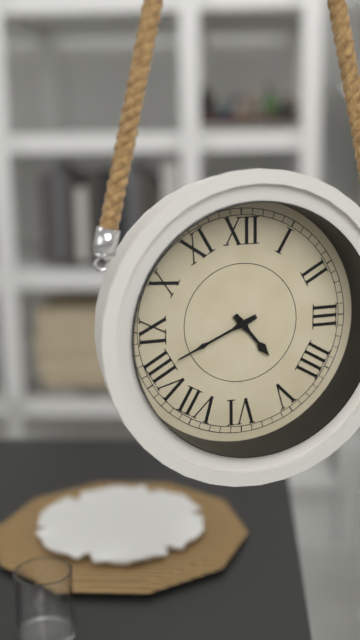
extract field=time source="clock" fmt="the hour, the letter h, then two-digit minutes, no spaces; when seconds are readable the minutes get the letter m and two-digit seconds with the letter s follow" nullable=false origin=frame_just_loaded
4h41
